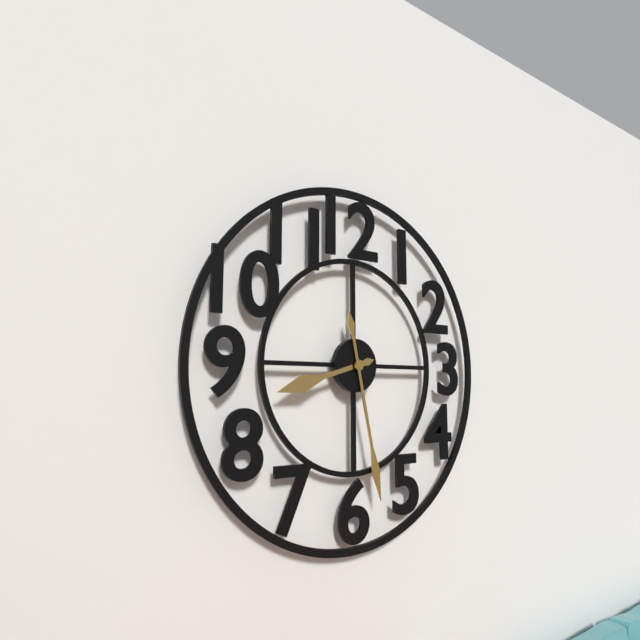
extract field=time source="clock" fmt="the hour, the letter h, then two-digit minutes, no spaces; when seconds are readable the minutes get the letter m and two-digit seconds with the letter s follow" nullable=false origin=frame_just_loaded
8h28
